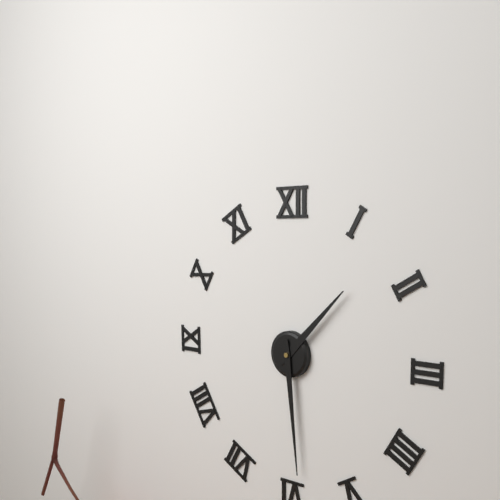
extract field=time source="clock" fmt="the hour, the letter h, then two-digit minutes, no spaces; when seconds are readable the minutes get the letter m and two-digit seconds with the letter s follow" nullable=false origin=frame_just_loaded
1h29
